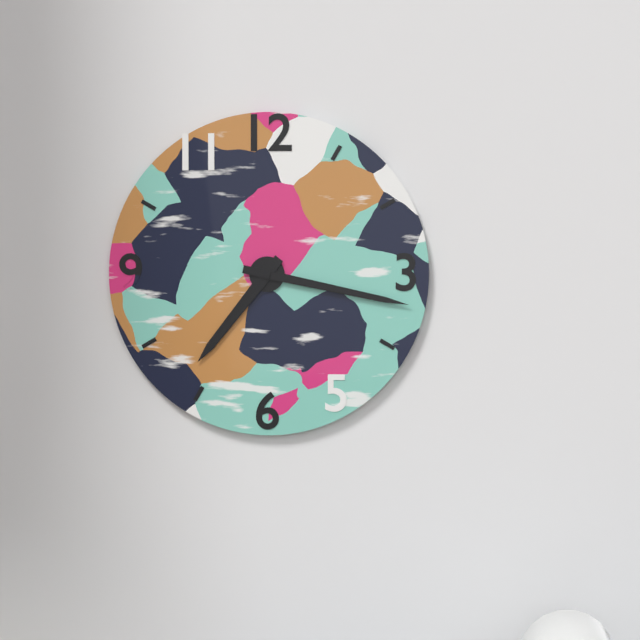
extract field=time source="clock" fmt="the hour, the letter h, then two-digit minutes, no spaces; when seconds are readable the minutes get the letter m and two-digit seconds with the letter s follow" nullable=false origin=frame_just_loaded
7h17
